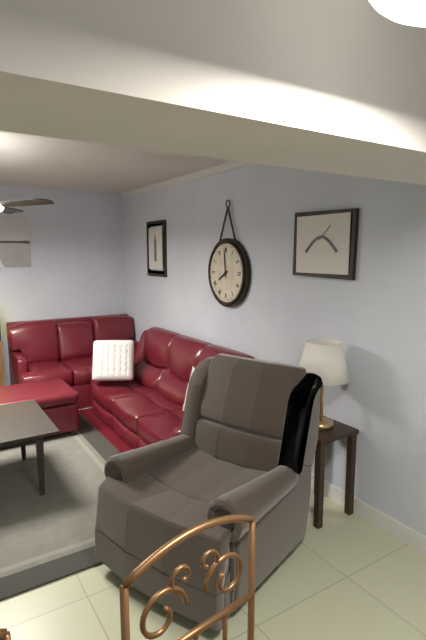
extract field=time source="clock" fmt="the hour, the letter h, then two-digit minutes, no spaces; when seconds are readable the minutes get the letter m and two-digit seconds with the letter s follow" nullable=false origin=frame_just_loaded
7h59
